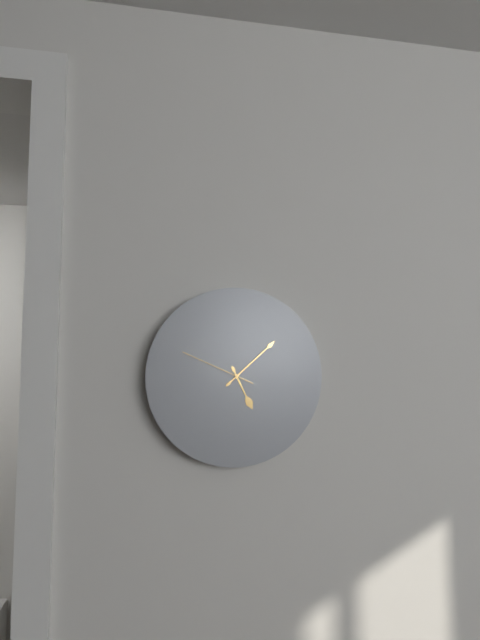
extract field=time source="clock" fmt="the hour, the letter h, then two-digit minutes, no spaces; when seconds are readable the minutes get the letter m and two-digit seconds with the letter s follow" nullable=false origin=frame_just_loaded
5h08m49s
